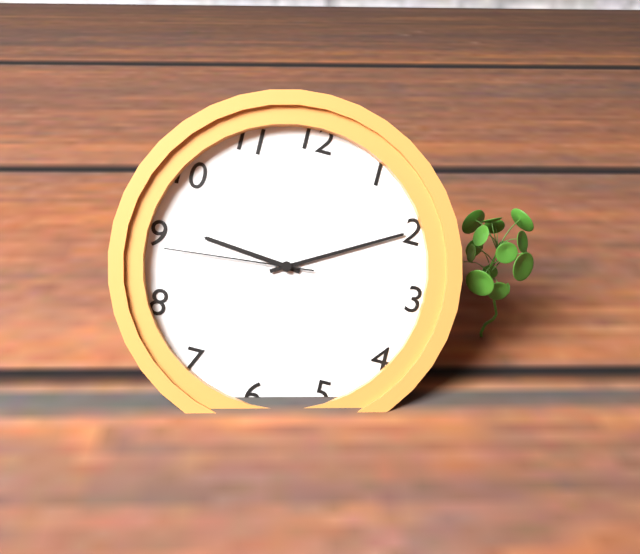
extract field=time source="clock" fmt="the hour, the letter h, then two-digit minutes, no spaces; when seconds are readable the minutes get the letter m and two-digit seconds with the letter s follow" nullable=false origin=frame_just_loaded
9h10m44s
